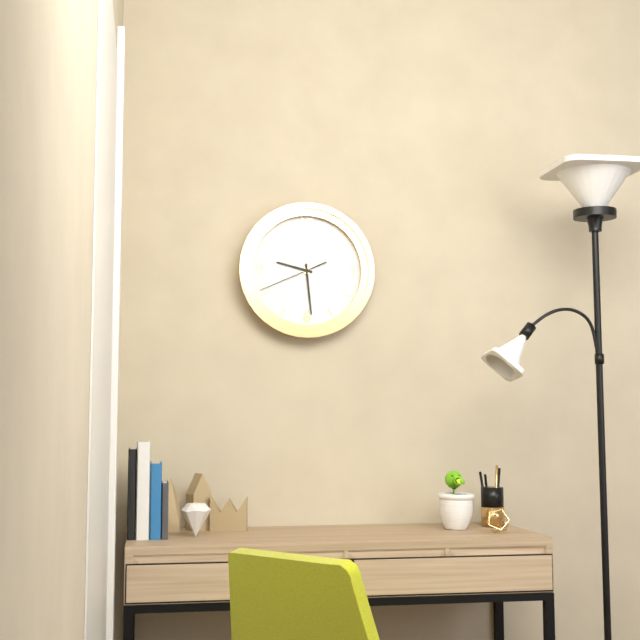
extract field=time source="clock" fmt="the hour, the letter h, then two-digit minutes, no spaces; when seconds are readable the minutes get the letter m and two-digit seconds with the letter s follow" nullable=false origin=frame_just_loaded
9h29m41s
